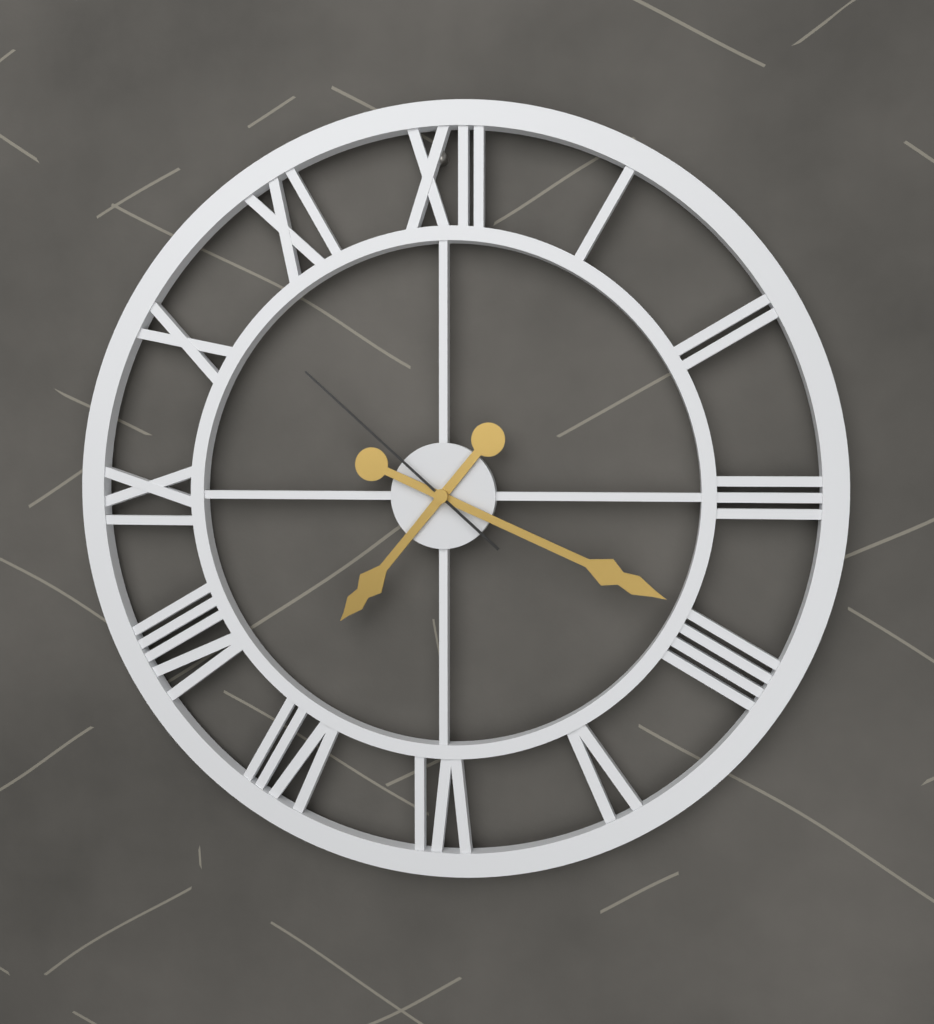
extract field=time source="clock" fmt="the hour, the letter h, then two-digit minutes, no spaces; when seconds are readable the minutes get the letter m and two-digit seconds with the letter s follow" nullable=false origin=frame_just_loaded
7h19m52s
